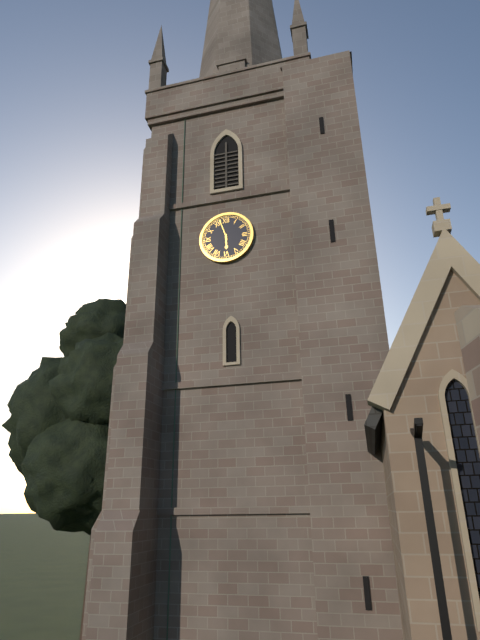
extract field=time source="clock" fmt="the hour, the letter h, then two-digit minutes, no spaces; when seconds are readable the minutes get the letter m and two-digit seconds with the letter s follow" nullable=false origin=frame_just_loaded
5h57
